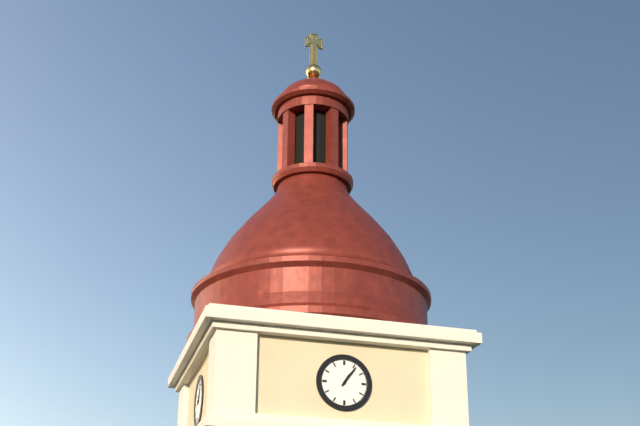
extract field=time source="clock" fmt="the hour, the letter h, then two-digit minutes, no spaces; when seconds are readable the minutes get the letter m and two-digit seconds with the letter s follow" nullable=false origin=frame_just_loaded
1h06
